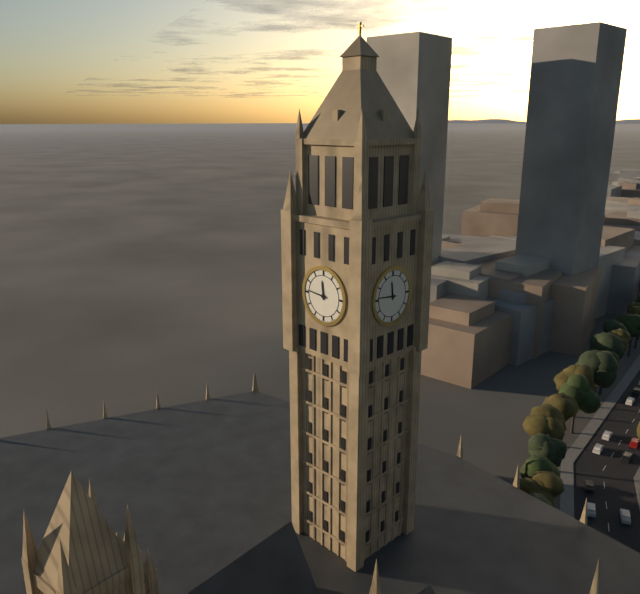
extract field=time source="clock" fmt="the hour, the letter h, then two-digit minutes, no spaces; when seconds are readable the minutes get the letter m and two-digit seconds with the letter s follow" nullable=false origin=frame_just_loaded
11h46
